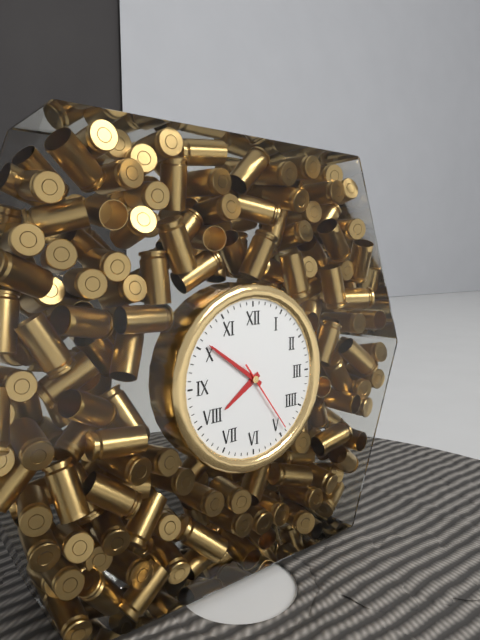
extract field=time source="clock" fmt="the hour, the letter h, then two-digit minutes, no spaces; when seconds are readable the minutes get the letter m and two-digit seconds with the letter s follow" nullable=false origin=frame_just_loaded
7h51m24s
